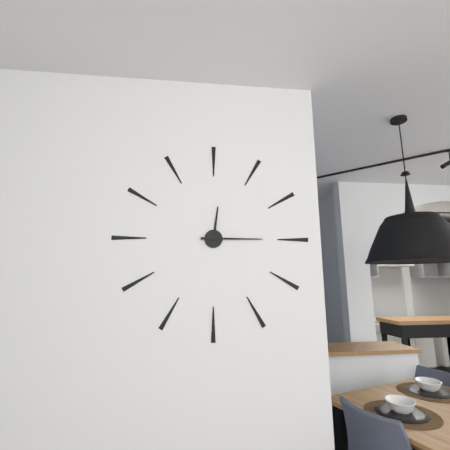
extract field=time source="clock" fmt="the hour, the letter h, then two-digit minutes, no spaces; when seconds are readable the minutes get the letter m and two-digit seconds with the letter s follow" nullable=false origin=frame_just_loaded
12h15
